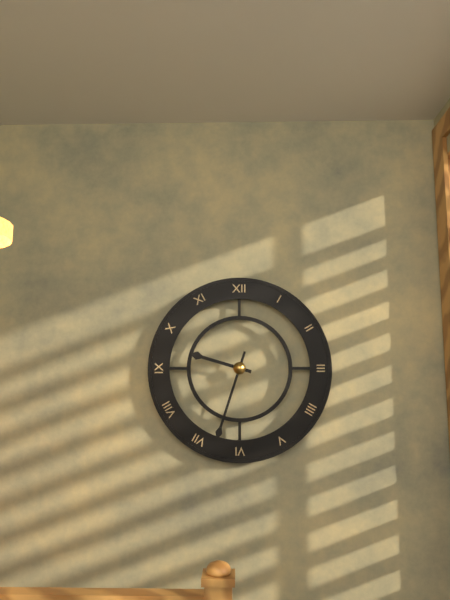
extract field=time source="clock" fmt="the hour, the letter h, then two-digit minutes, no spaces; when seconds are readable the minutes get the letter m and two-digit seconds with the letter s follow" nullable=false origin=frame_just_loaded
9h33
